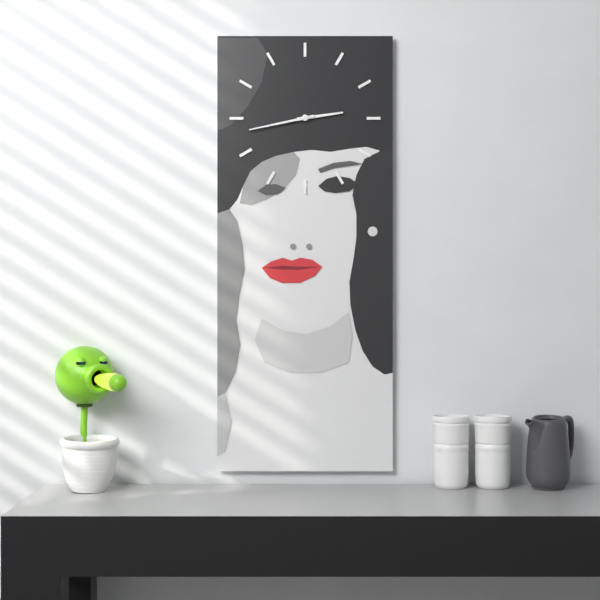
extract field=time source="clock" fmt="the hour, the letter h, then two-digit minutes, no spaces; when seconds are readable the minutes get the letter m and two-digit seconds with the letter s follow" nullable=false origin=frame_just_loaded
2h43
